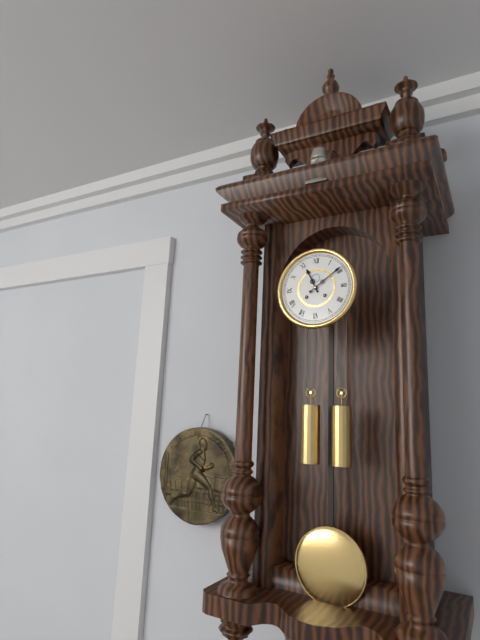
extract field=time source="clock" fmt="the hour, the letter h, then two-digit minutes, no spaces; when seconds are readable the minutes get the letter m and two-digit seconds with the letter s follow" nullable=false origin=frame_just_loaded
11h09
